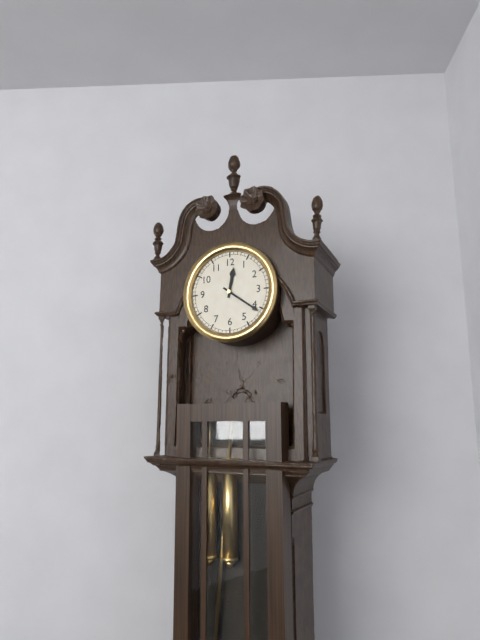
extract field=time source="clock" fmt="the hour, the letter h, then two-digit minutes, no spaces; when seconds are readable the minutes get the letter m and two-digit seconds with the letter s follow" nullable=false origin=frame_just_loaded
12h21
